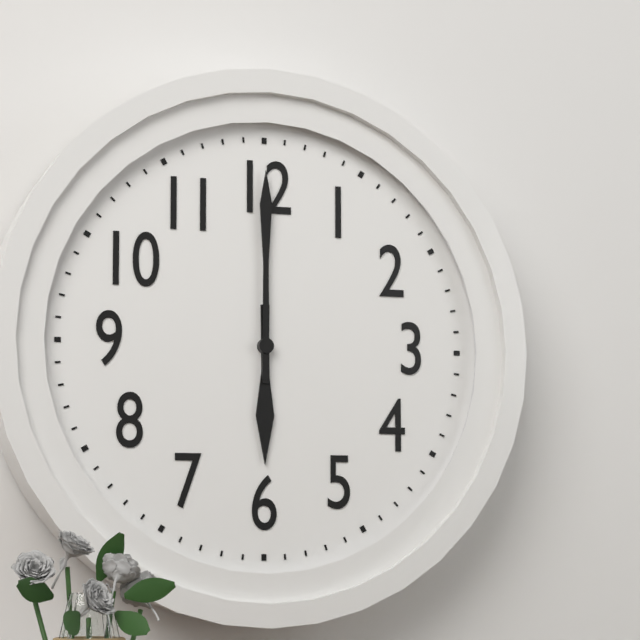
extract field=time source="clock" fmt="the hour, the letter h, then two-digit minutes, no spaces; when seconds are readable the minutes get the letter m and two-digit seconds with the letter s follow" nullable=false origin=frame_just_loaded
6h00
